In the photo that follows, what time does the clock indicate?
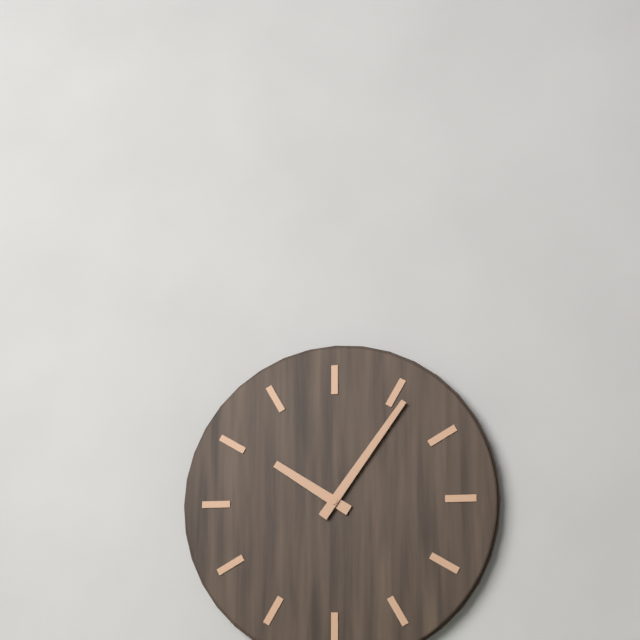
10:06
